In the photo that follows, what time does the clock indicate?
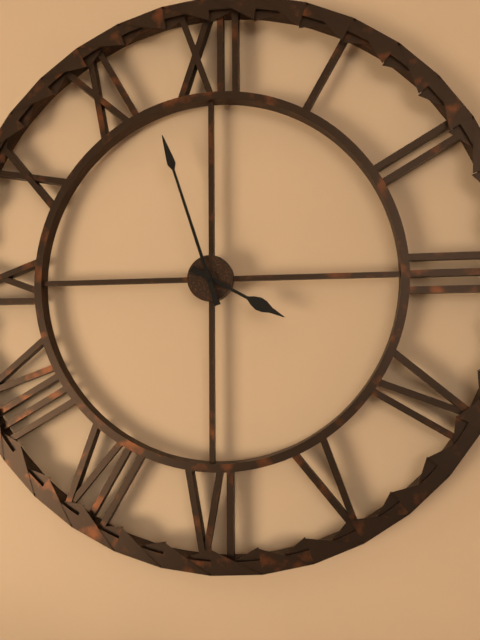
3:57
